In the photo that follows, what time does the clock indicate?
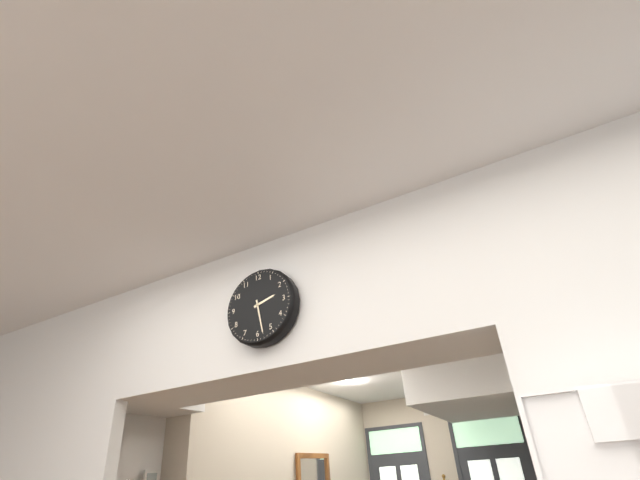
2:28
